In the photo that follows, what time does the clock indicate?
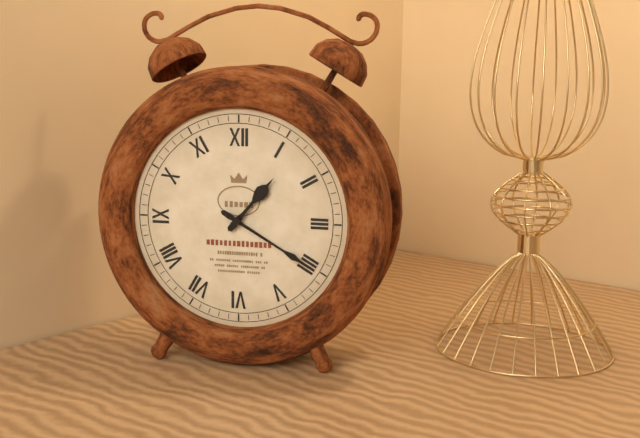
1:20
